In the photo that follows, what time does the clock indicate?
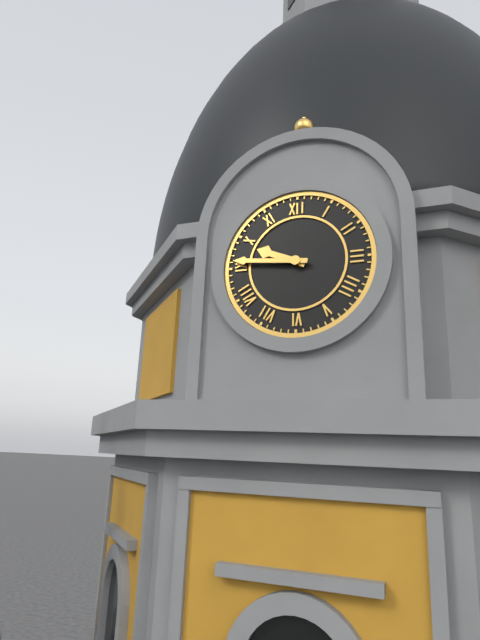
9:46
